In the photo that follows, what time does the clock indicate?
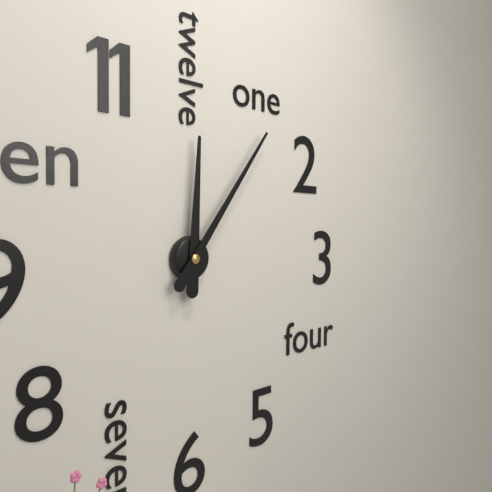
12:06
